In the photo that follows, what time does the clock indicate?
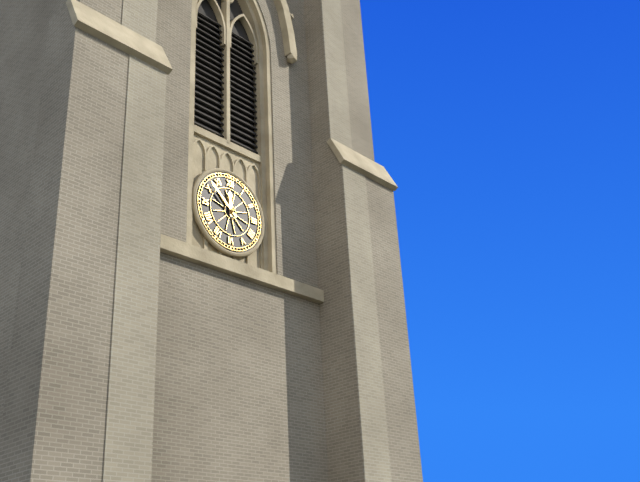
11:52
